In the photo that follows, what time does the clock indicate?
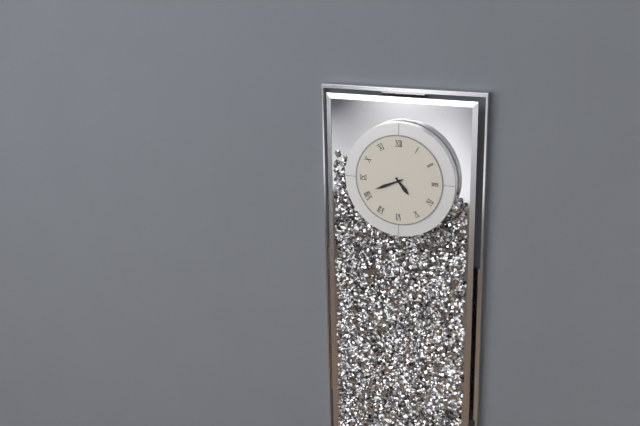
4:41
